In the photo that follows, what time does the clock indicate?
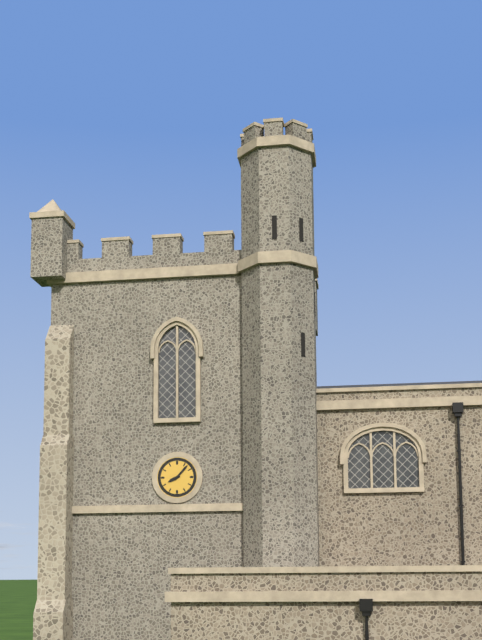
8:07
